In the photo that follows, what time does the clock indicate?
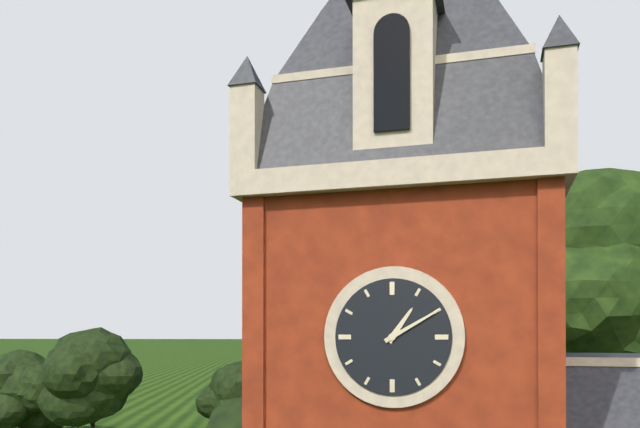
1:10
